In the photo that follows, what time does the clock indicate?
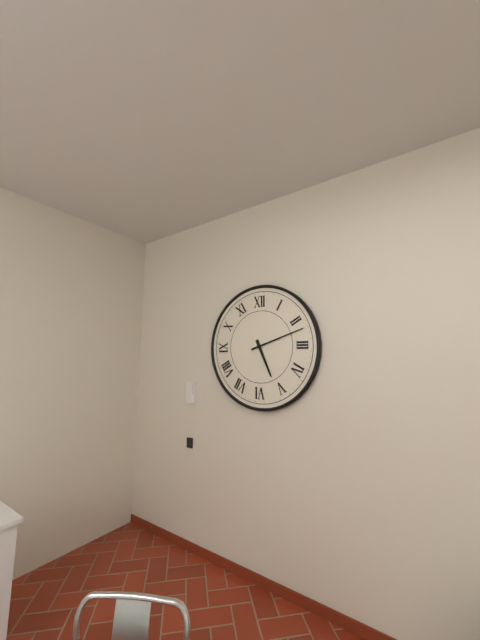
5:12
